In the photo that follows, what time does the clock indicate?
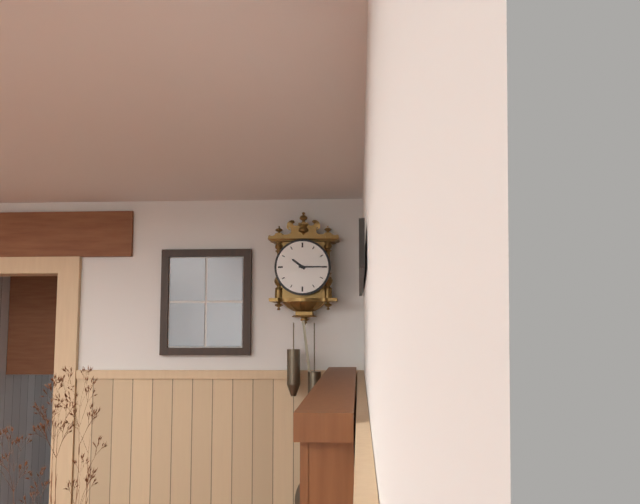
10:15
